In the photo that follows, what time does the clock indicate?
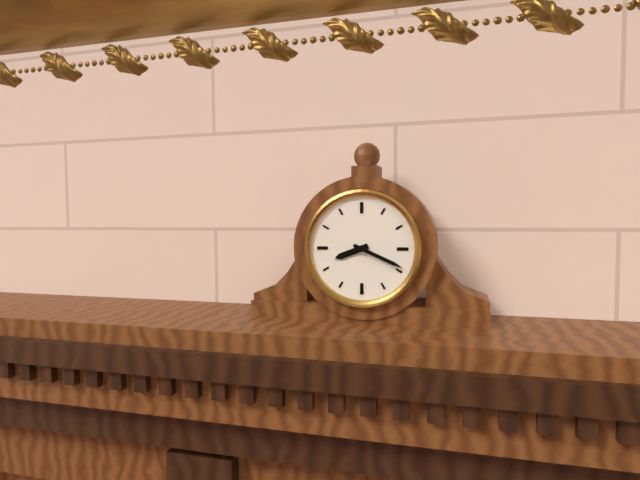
8:19
